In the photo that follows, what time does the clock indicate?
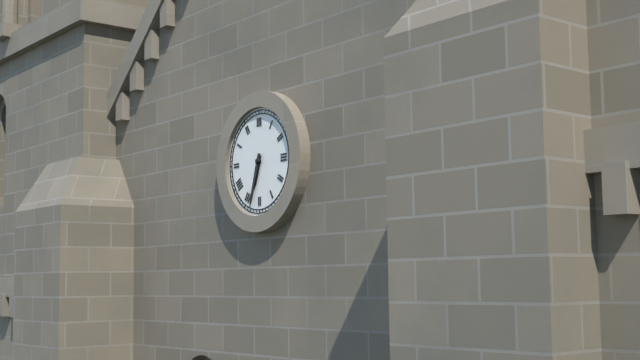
6:33
